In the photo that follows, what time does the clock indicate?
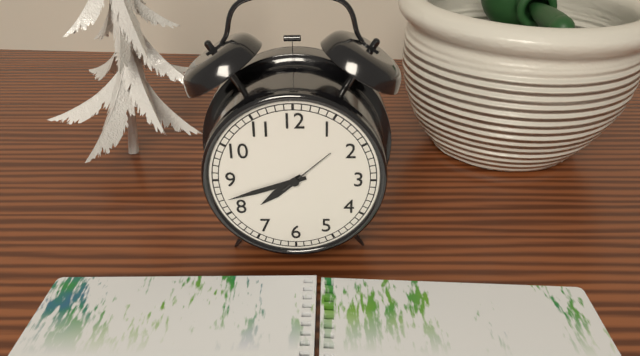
7:42:08
